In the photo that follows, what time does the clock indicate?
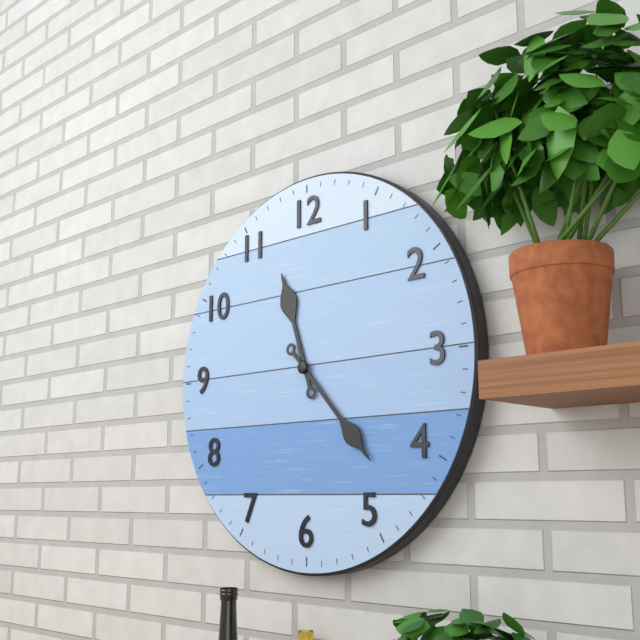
11:23
